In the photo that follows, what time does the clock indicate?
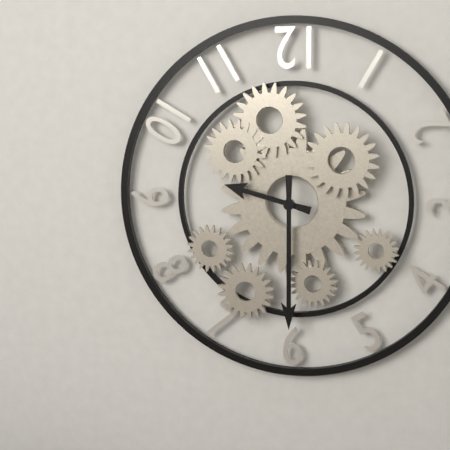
9:30
